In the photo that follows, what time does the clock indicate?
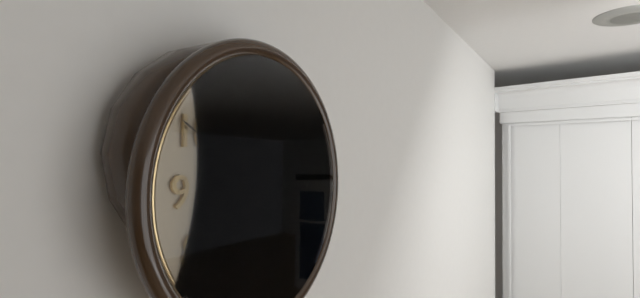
6:01:50
